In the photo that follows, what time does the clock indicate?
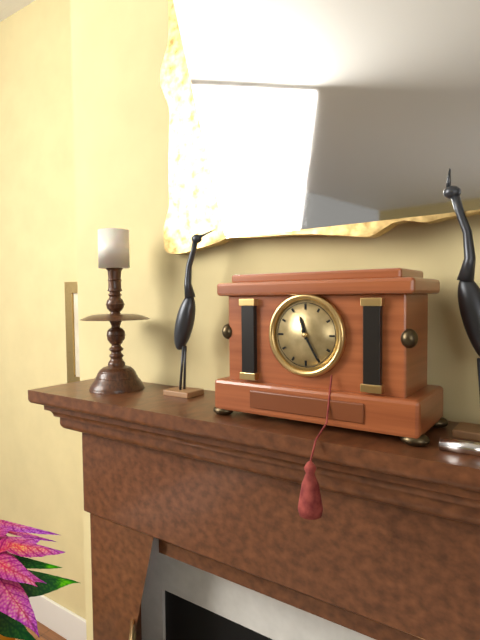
11:25
